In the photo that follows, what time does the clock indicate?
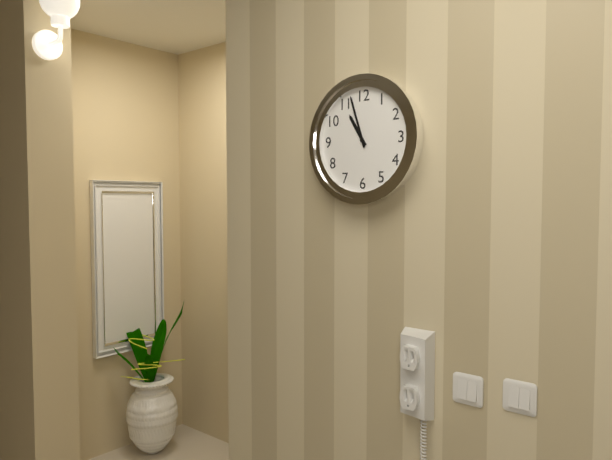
10:57
